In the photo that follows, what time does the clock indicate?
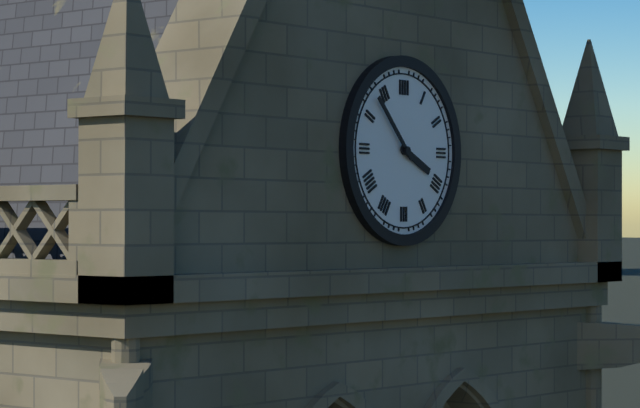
3:53
